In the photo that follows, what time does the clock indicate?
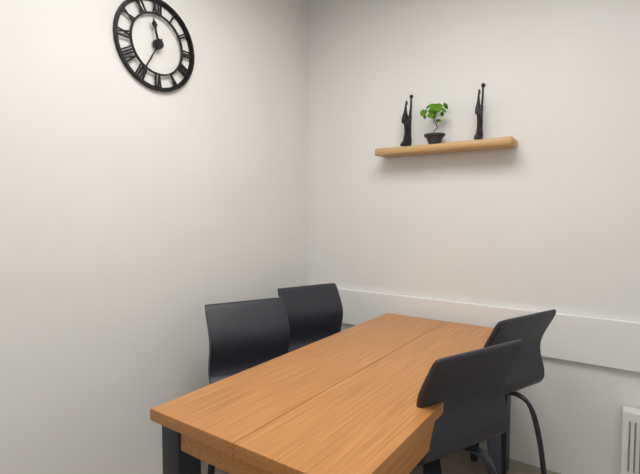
11:35
